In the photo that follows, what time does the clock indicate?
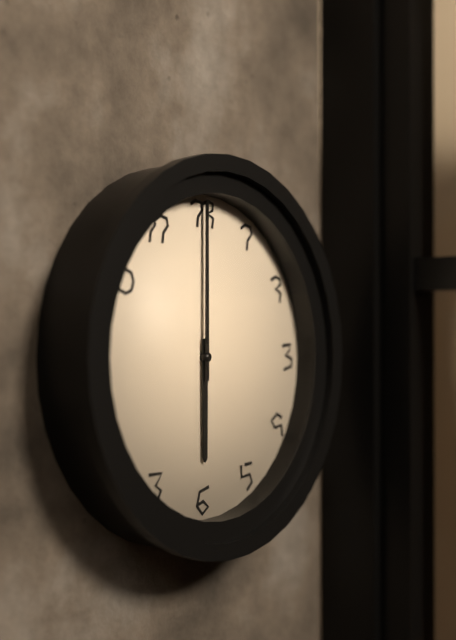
6:00
